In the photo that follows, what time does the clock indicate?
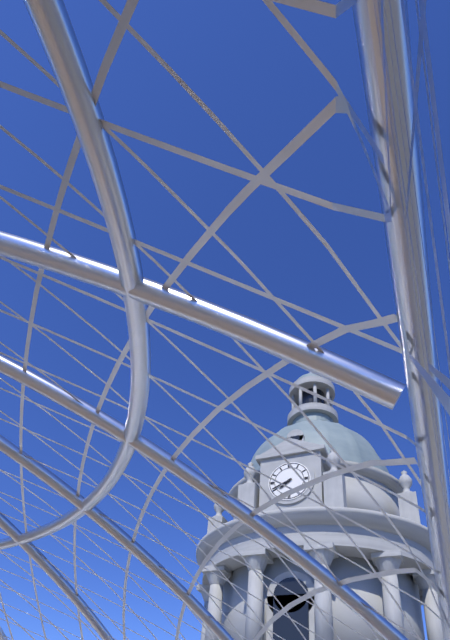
7:41
